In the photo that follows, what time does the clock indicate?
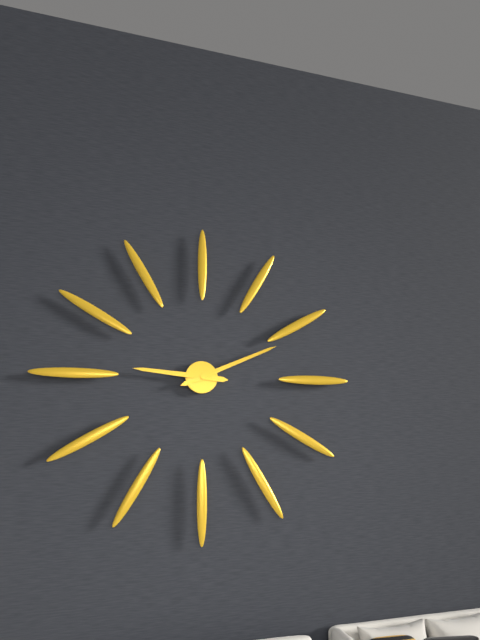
9:11
